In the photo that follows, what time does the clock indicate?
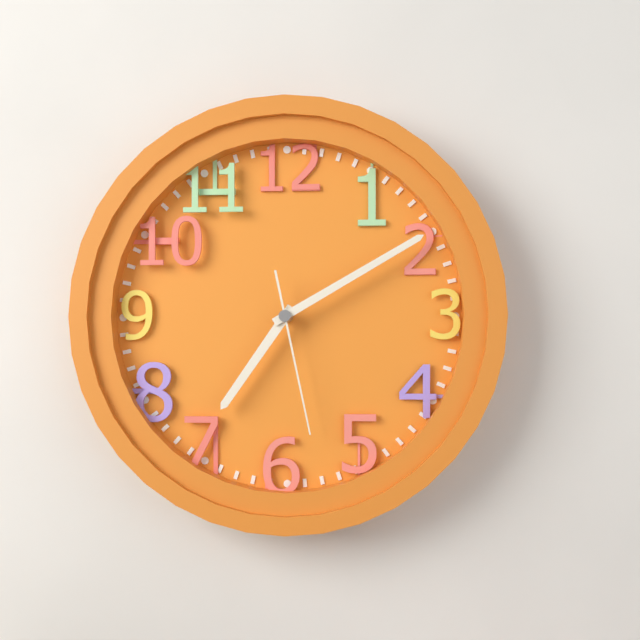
7:10:28
